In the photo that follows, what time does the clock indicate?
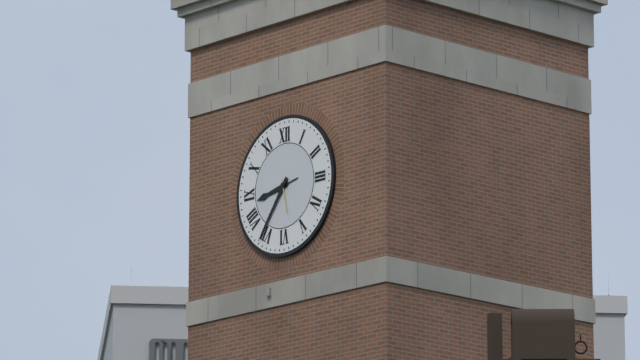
8:36
